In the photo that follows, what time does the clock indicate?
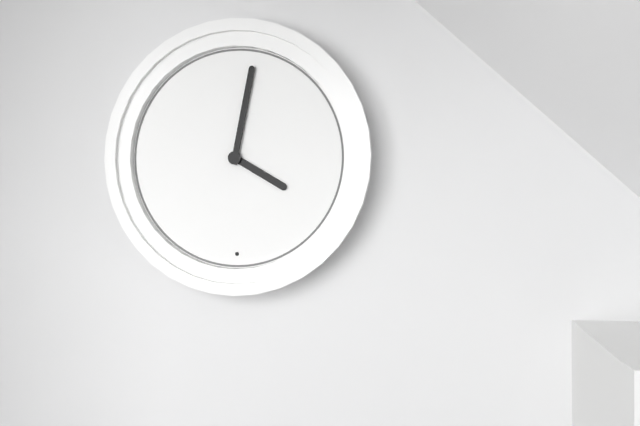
4:02
